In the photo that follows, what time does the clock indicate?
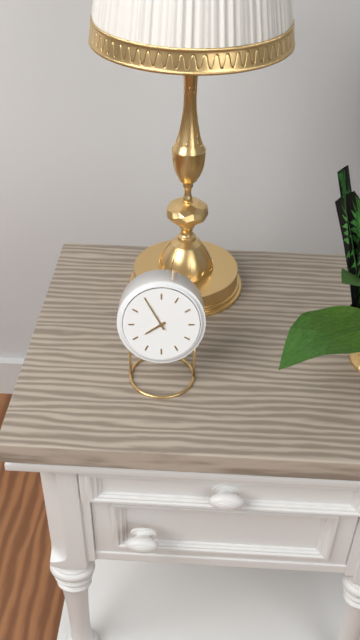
7:55
